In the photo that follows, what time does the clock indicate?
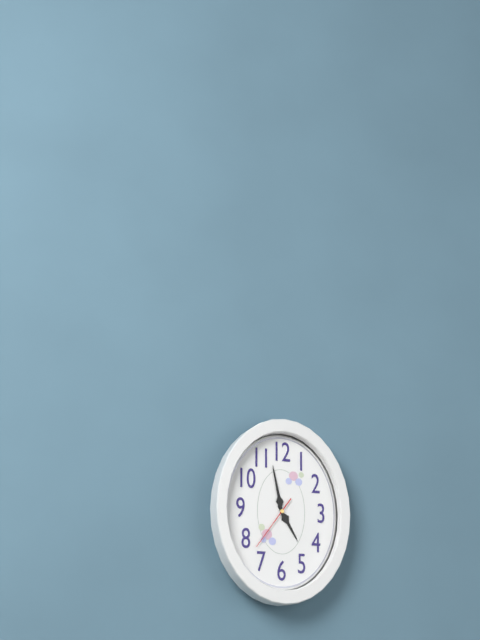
4:58:36
